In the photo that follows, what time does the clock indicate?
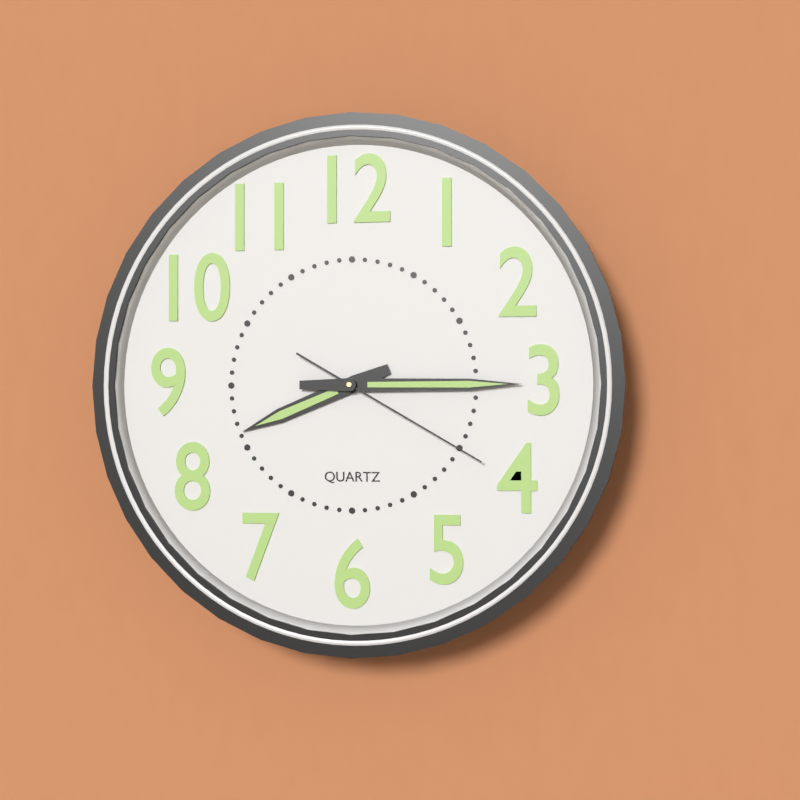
8:15:20
